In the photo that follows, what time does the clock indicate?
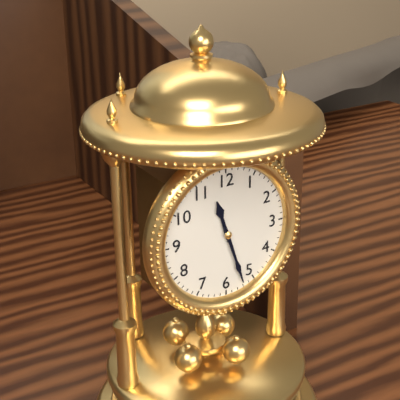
11:27
